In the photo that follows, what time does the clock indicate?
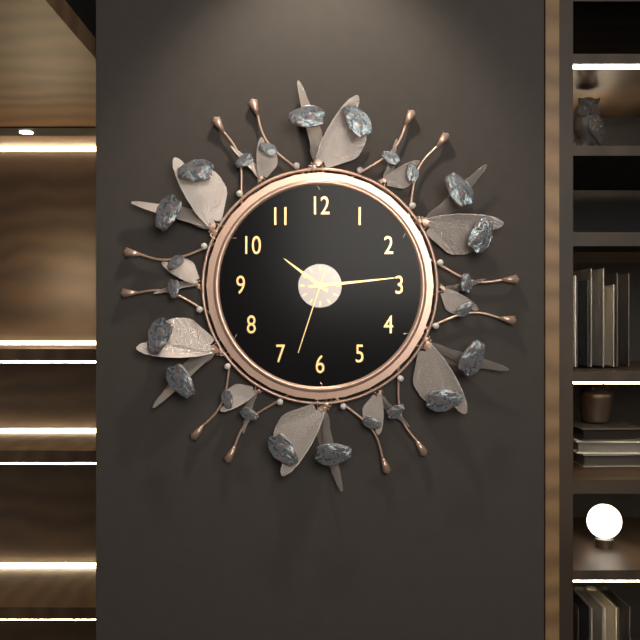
10:14:33
